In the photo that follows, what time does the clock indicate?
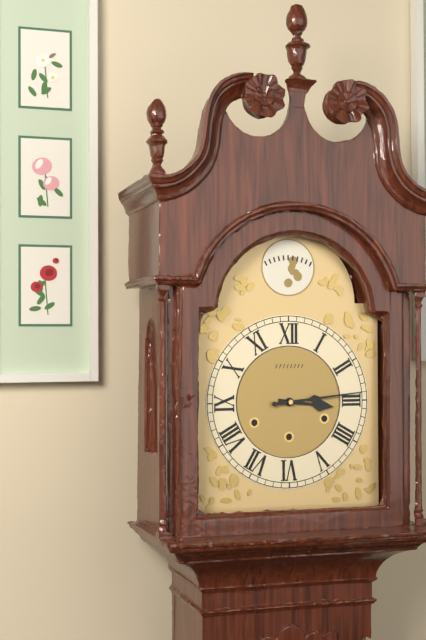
3:14
